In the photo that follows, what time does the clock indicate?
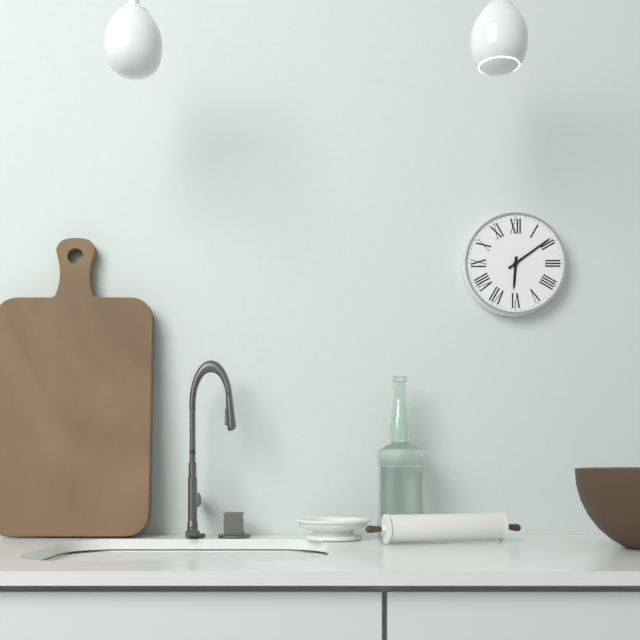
6:09
